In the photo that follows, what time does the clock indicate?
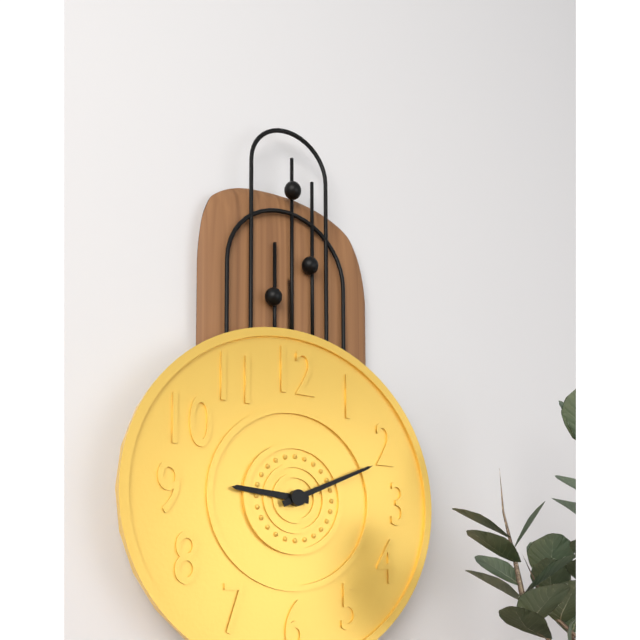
9:11
